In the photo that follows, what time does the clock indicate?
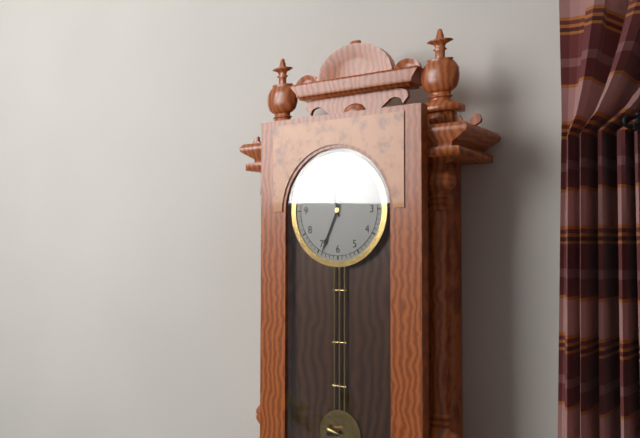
11:34
